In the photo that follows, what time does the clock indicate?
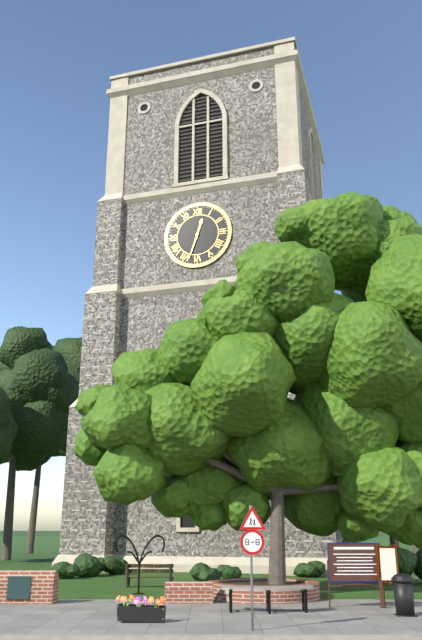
12:33
